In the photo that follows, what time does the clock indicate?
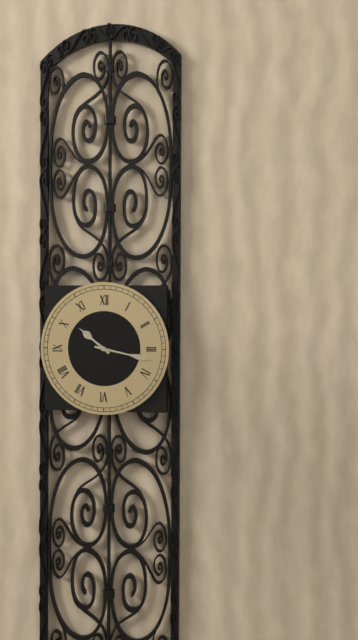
10:17
